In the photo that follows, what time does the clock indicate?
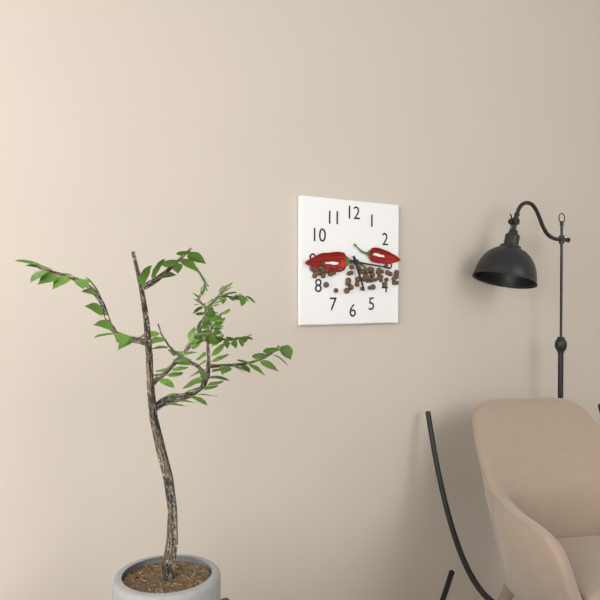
5:16
